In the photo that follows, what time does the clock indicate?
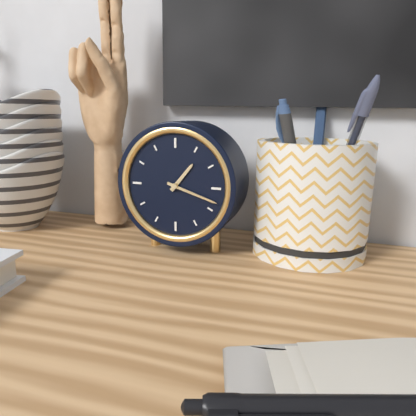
1:18
